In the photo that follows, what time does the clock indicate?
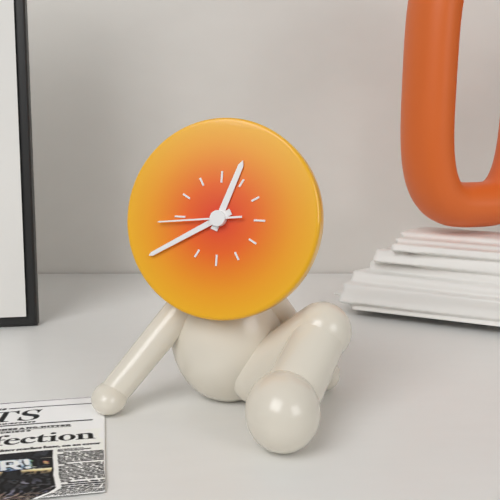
12:40:44
